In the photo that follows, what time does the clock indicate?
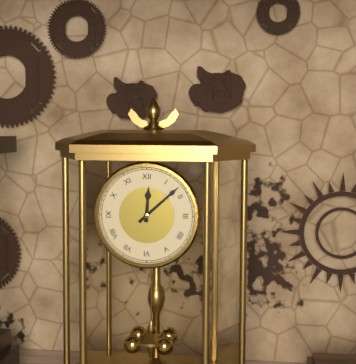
12:08
